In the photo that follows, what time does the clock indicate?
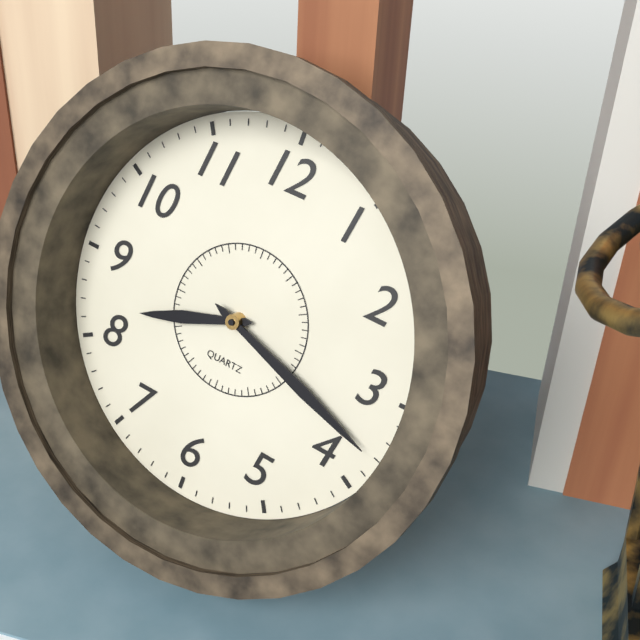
8:18
